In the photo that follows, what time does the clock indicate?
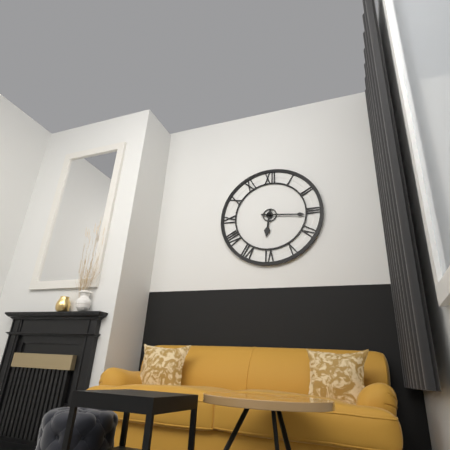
6:16
